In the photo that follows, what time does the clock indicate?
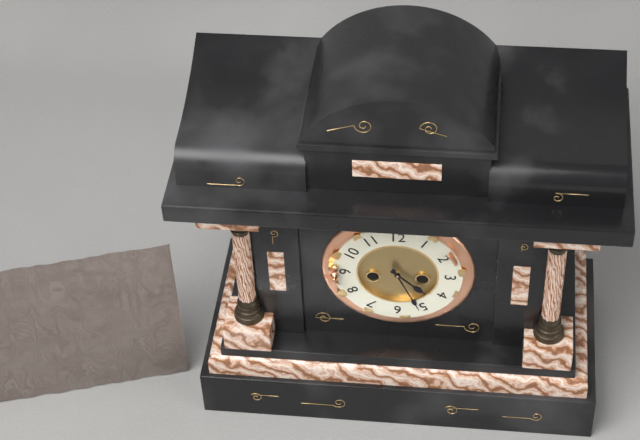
4:26
